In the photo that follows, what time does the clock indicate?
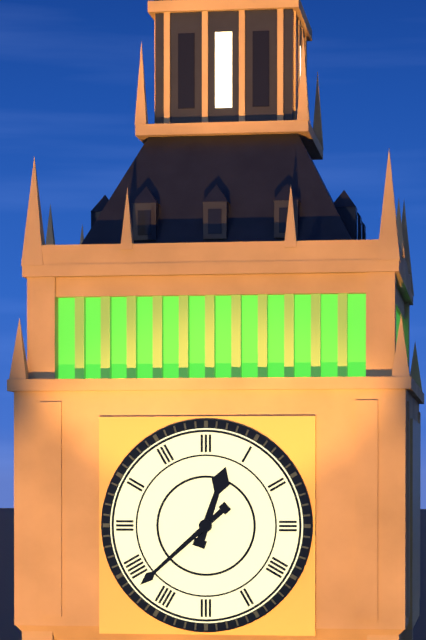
12:38
